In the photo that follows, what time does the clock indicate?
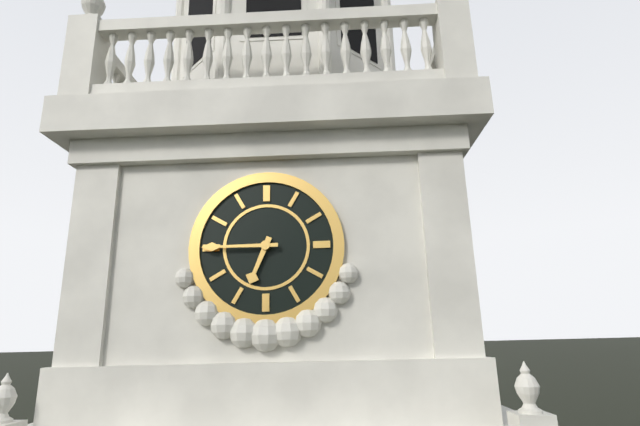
6:45
